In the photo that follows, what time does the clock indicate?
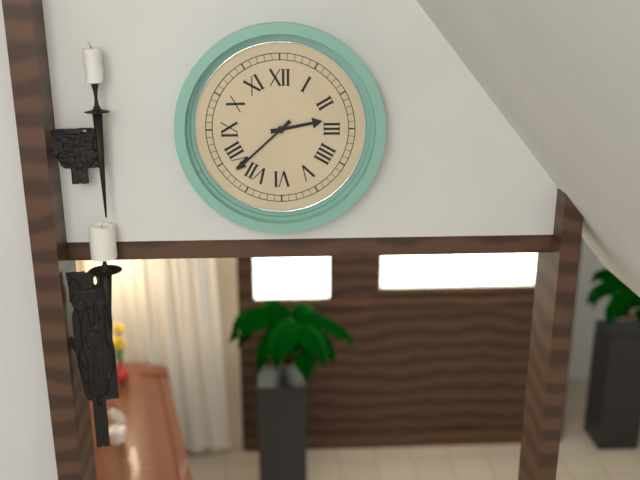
2:38
